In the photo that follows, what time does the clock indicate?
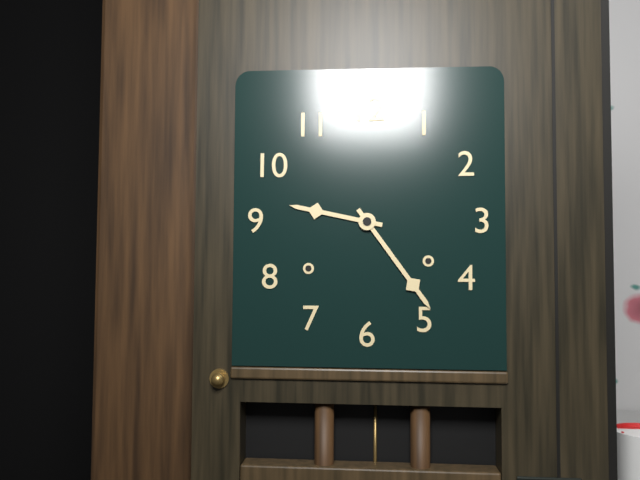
9:24
